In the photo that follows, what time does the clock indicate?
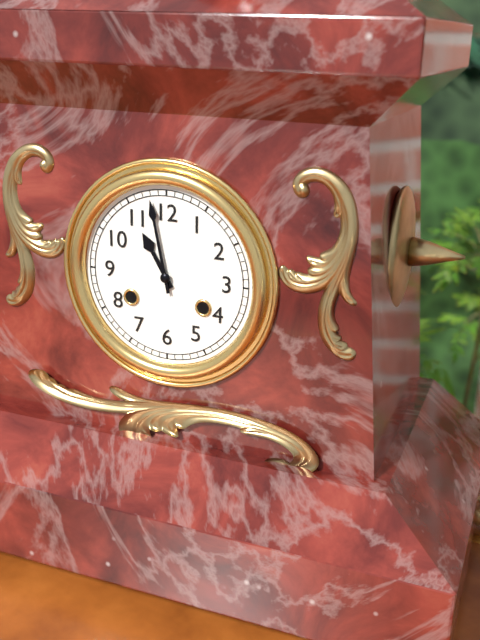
10:58
